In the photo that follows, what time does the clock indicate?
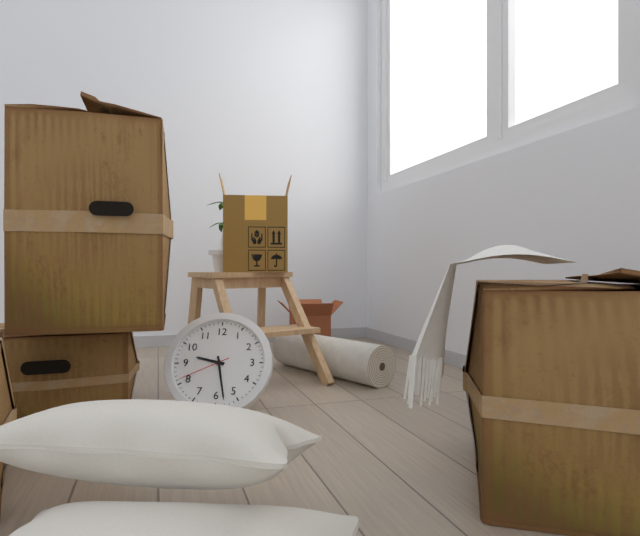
9:28:41
